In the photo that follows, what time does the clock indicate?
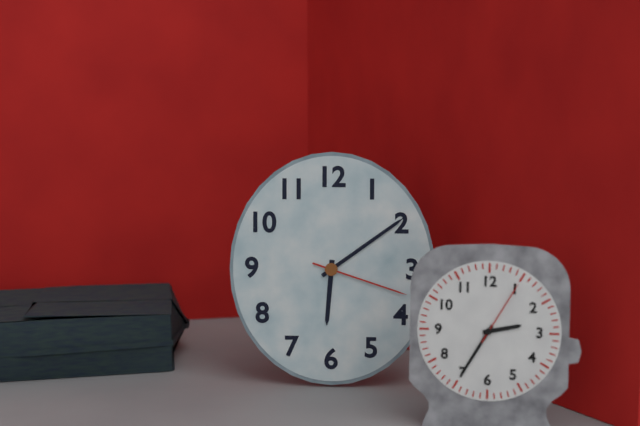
6:09:18
